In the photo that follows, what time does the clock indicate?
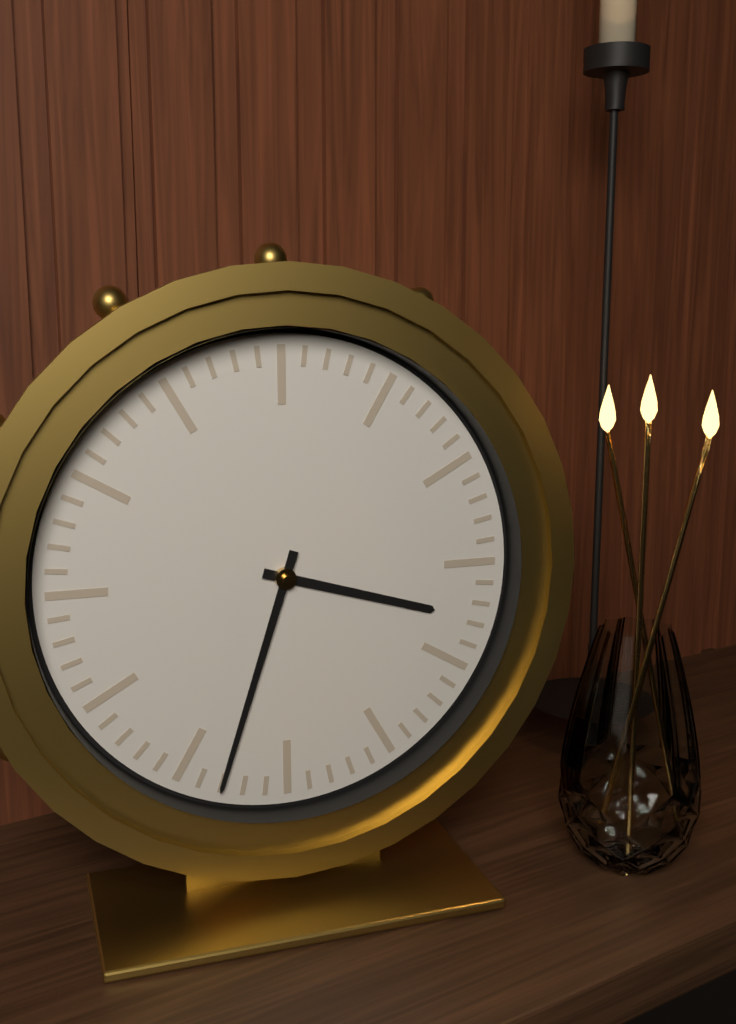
3:33
